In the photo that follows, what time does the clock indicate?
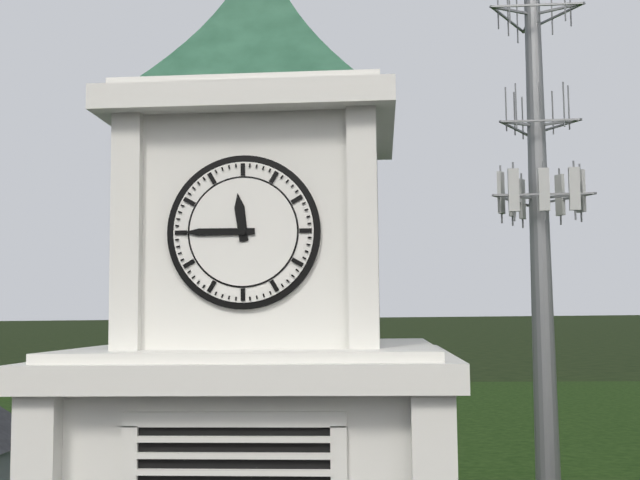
11:45
